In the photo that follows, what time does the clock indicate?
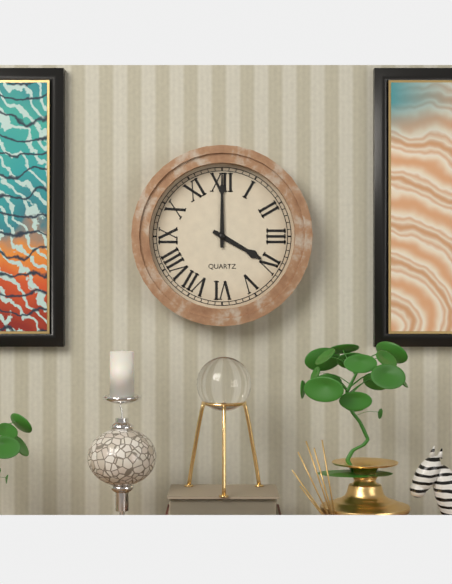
4:00
